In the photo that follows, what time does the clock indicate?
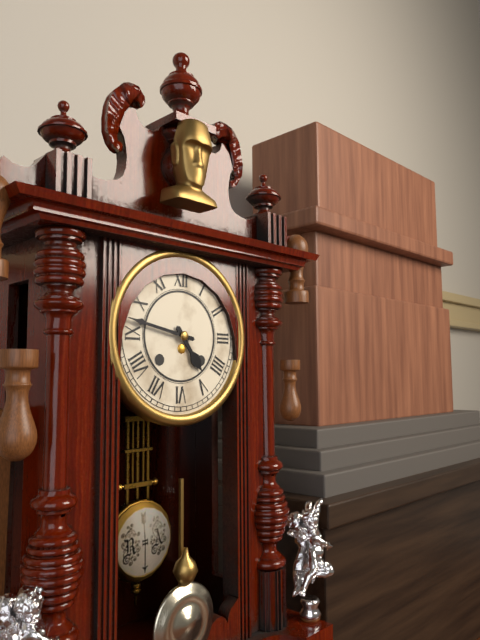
4:47
